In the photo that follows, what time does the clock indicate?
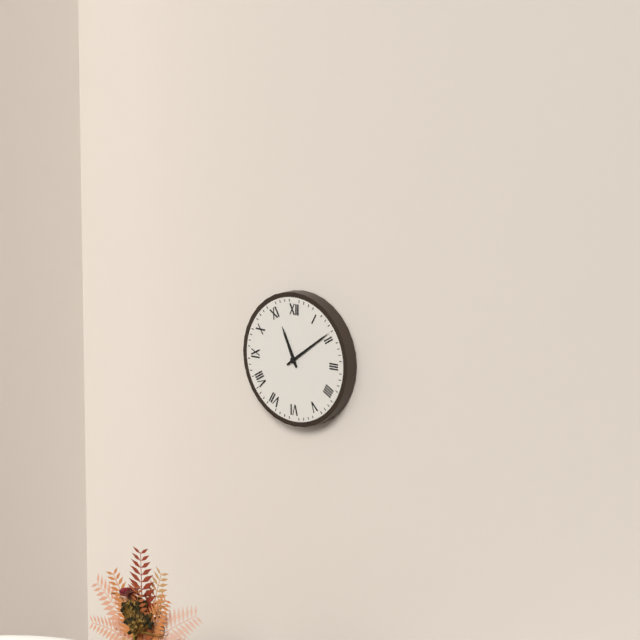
11:09
